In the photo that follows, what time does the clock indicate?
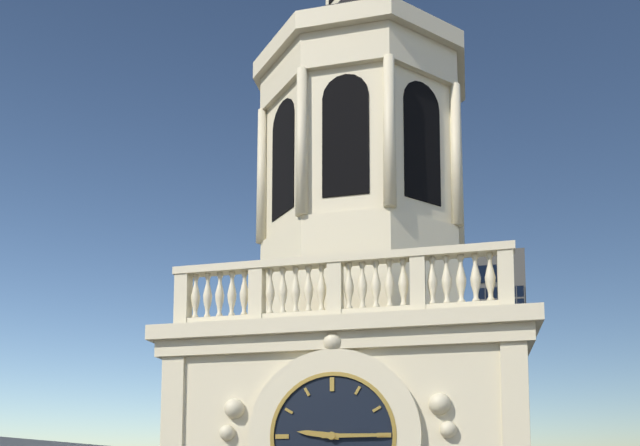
9:15
